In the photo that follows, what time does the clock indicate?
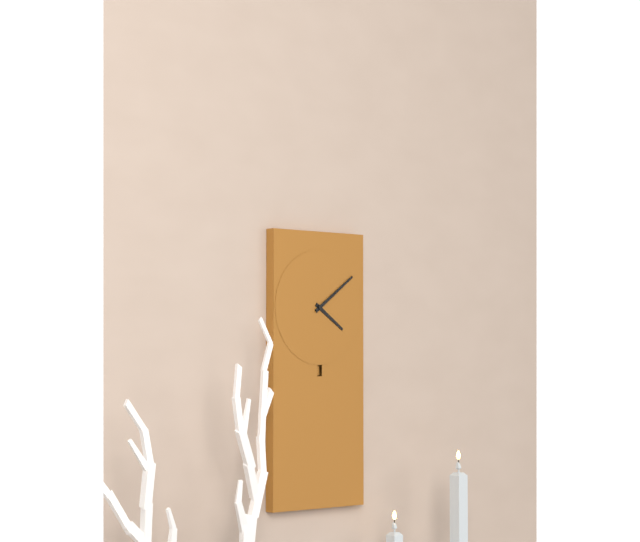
4:09
